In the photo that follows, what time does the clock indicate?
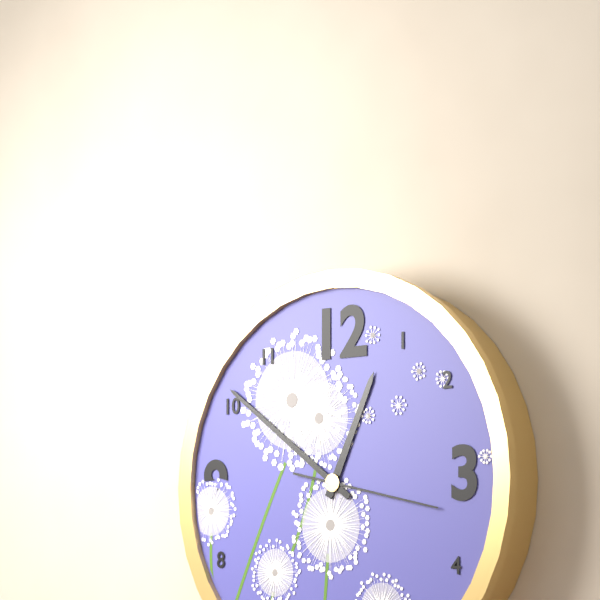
12:51:17
